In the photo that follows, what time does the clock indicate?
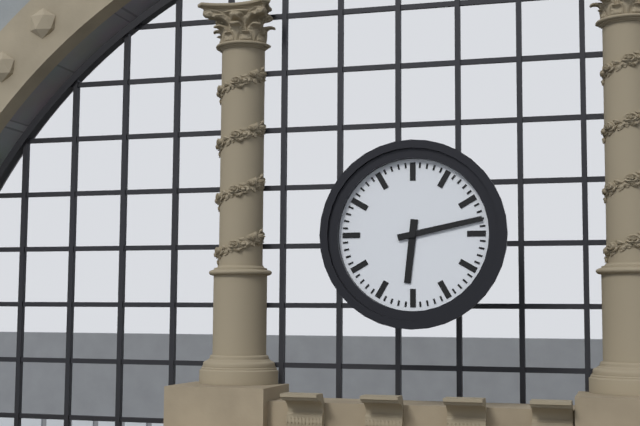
6:13
